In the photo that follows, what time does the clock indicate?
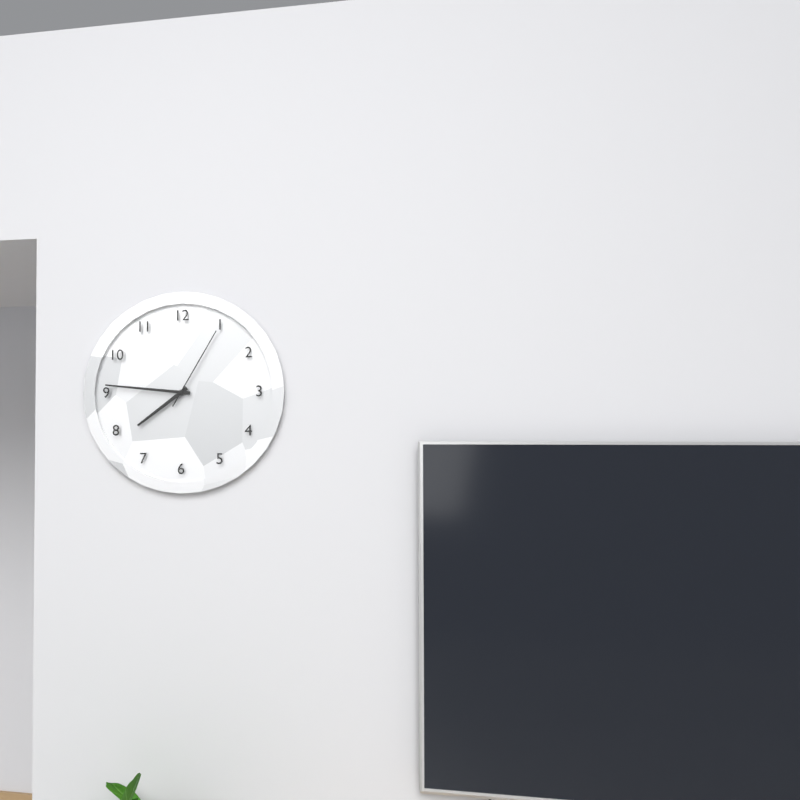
7:46:05
